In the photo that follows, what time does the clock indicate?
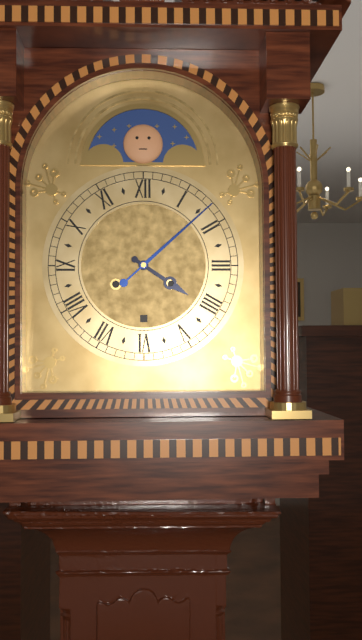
4:08
